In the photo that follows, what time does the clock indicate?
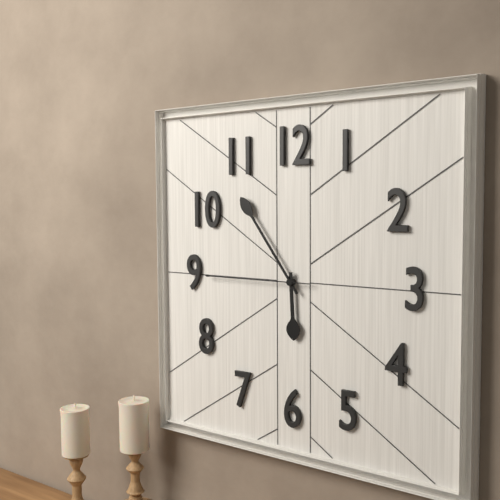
5:54:45
